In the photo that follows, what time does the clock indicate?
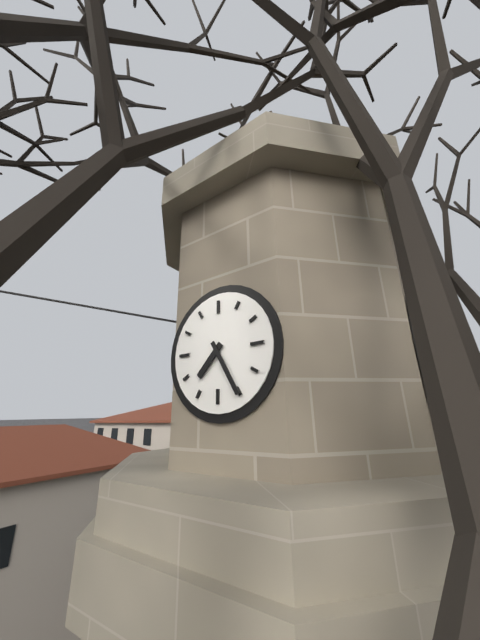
7:25
